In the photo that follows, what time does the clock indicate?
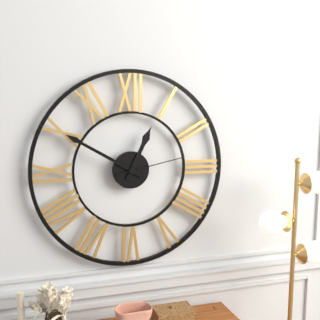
12:50:13
